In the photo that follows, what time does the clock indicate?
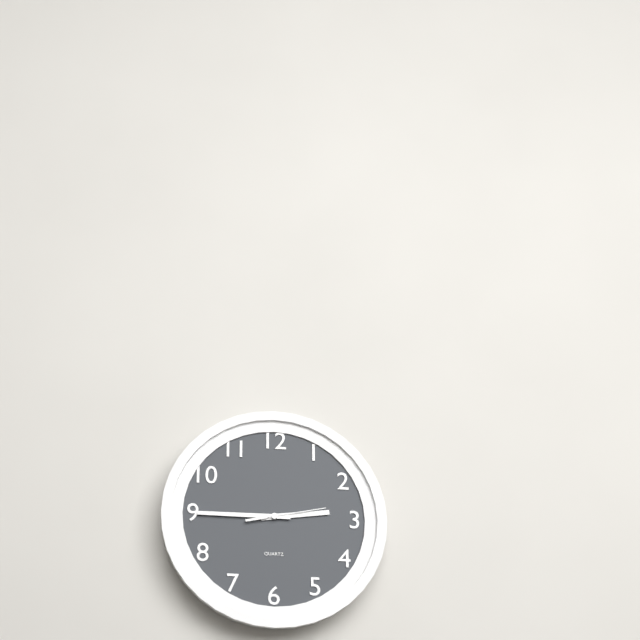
2:45:13
